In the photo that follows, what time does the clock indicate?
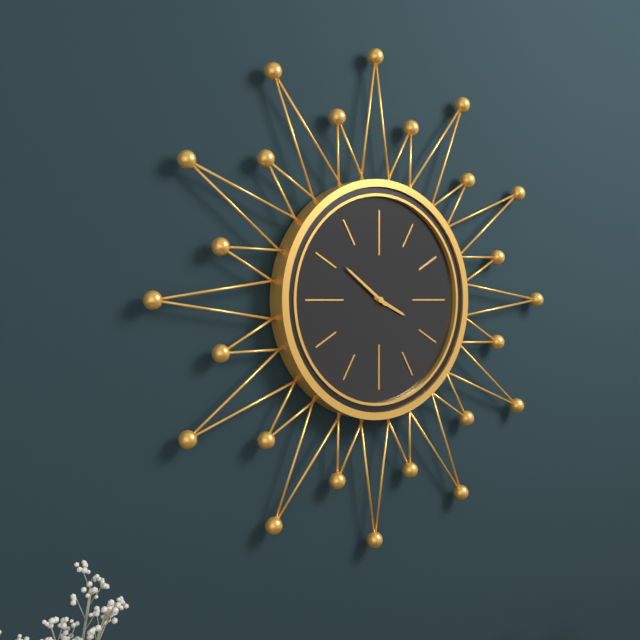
3:51
